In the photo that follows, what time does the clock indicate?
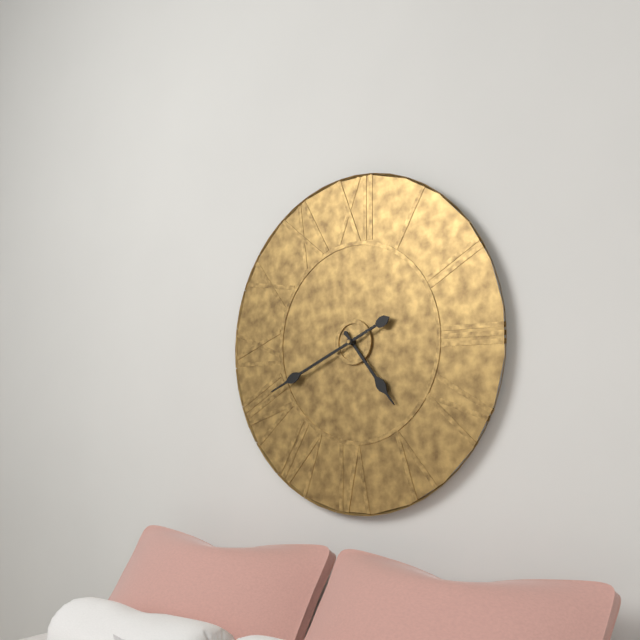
4:41
